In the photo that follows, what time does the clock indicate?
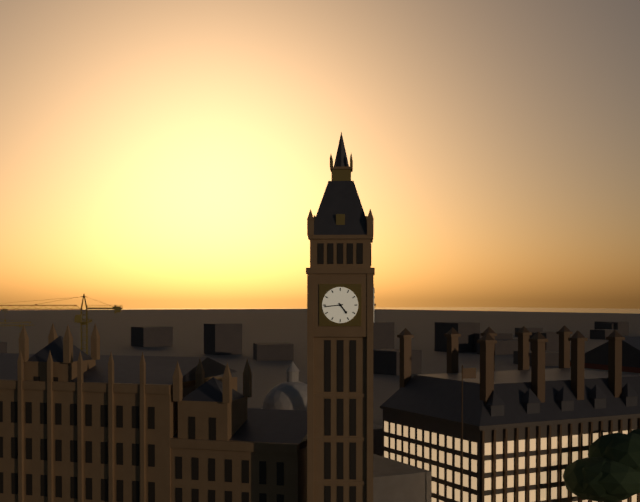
4:44
